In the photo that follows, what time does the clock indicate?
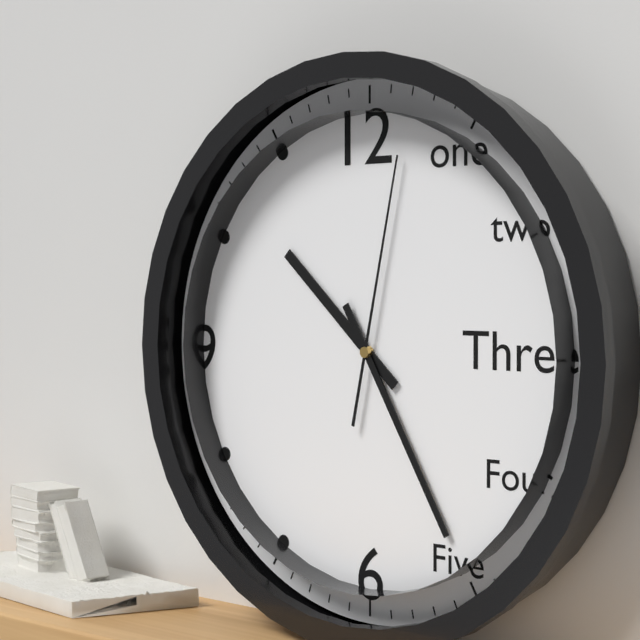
10:25:02
